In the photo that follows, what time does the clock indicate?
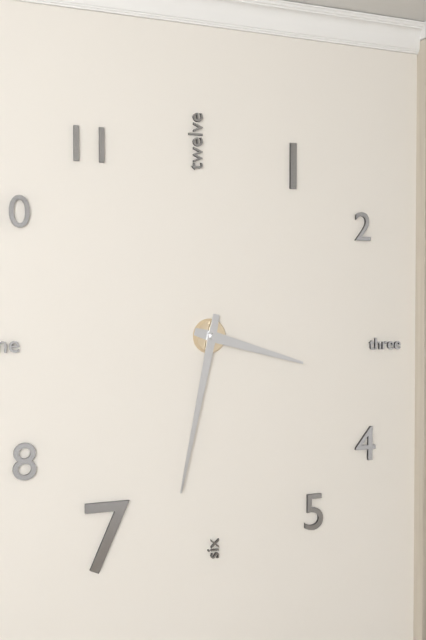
3:32
